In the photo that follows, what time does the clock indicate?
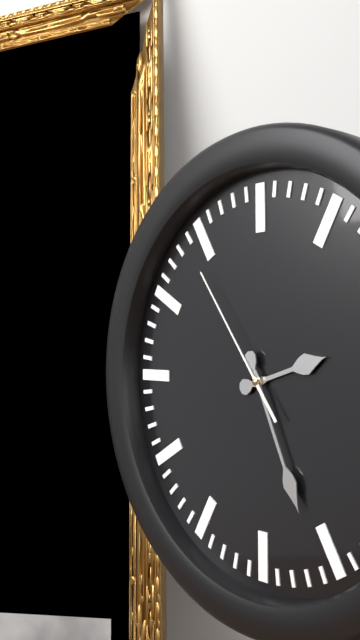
2:26:54
